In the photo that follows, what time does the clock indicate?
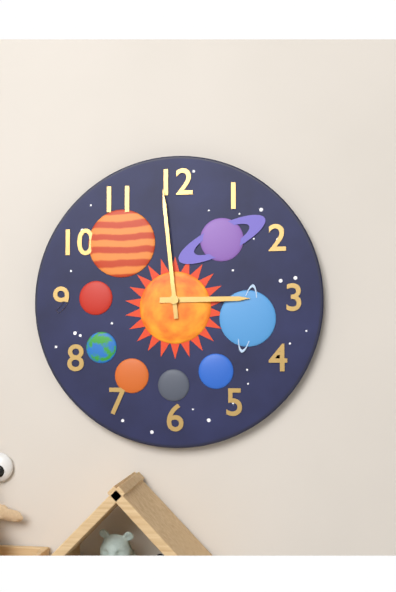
2:59
